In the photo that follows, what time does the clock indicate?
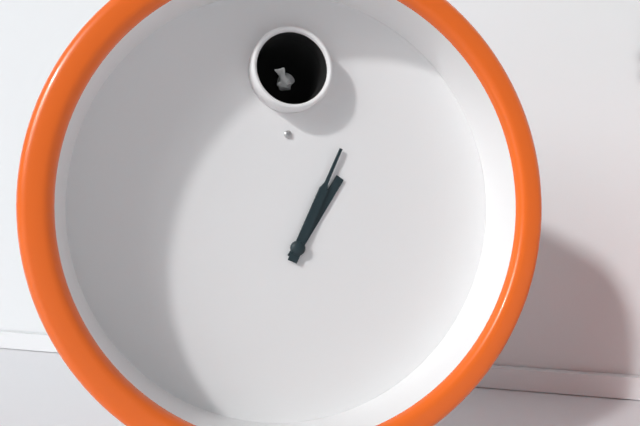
1:04
